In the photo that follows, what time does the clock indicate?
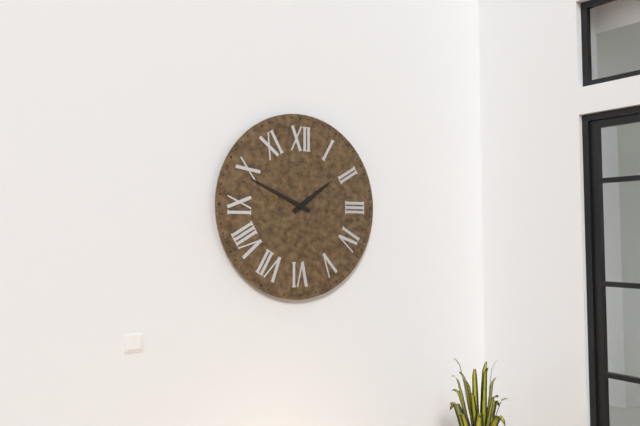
1:49
